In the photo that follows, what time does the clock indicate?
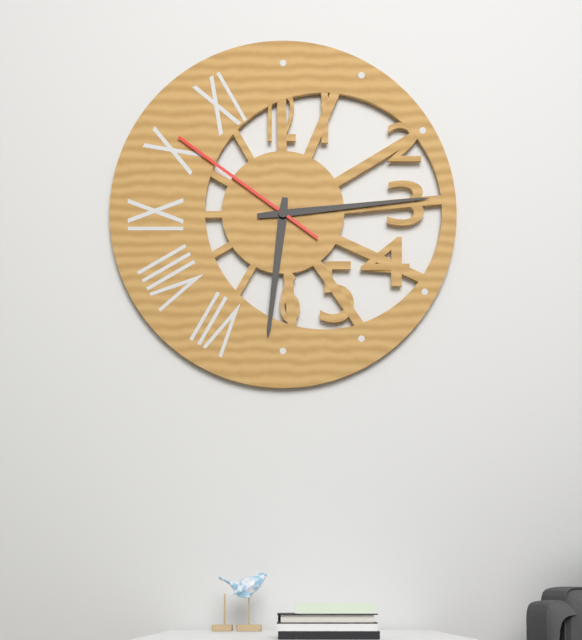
6:14:51
